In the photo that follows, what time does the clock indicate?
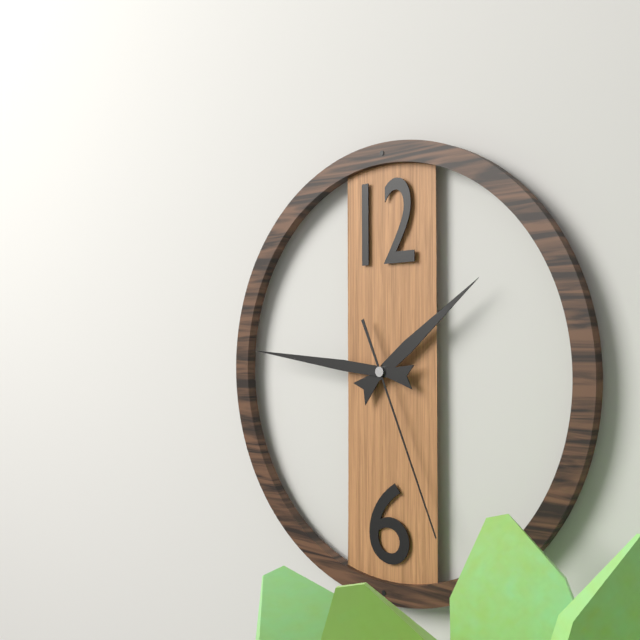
1:46:26
